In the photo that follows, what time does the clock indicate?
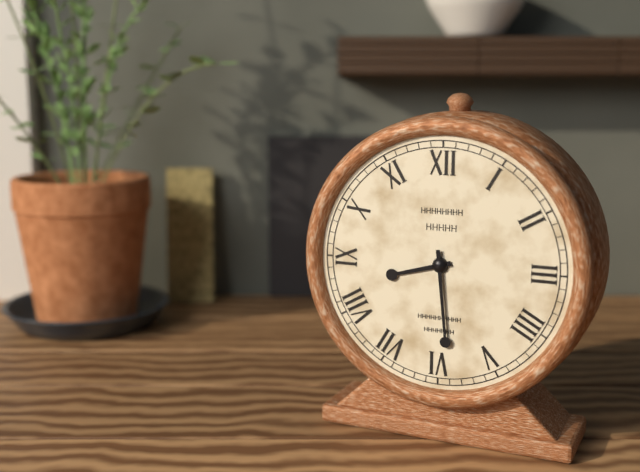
8:29
